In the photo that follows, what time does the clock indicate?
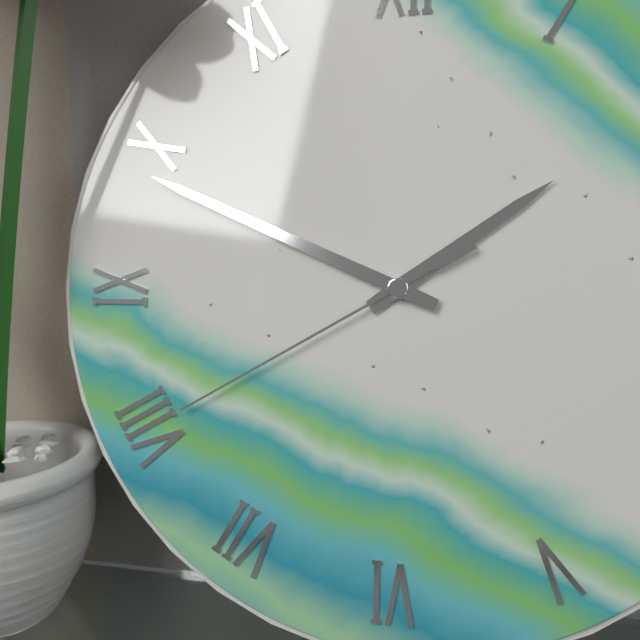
1:49:40
